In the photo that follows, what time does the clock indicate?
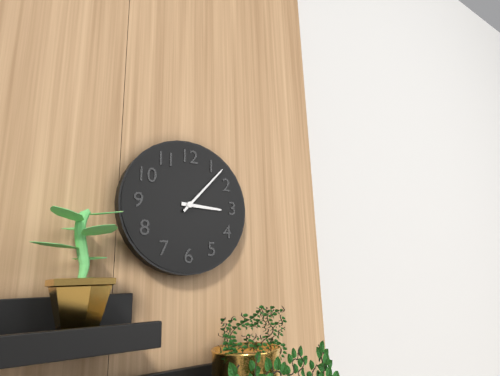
3:07
